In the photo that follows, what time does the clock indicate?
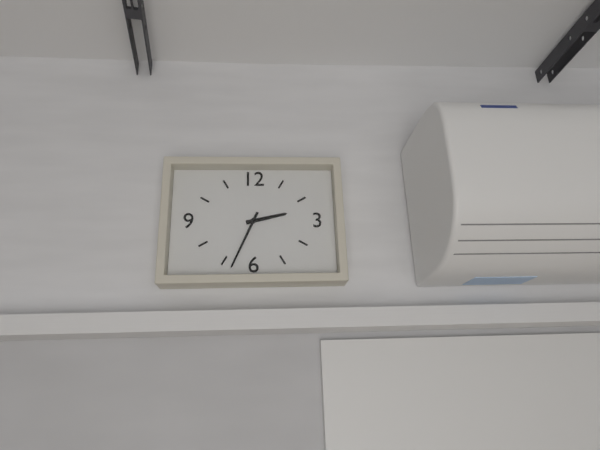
2:34
